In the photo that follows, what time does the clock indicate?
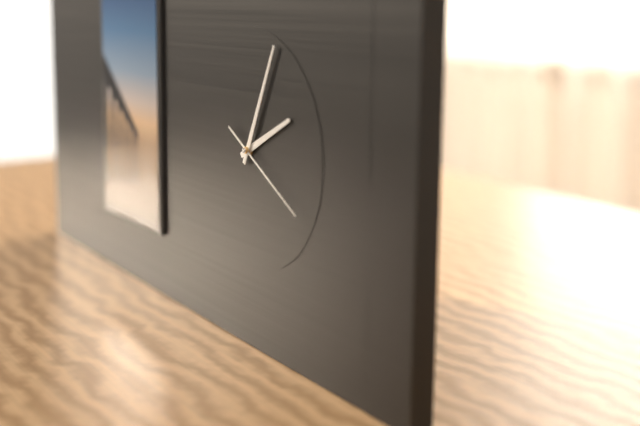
2:04:20
